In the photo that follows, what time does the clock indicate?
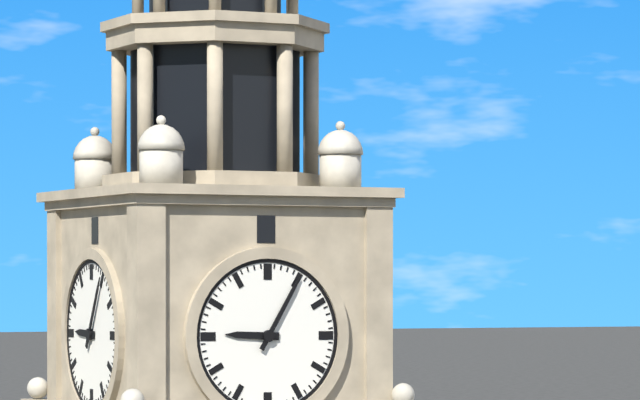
9:05
